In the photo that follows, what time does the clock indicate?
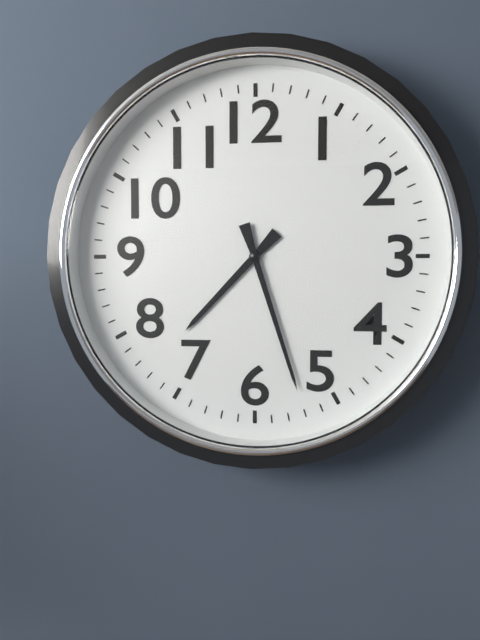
7:27
